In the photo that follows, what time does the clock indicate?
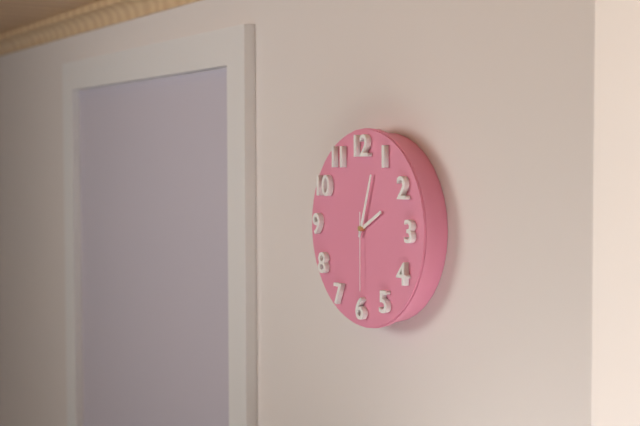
2:03:30
